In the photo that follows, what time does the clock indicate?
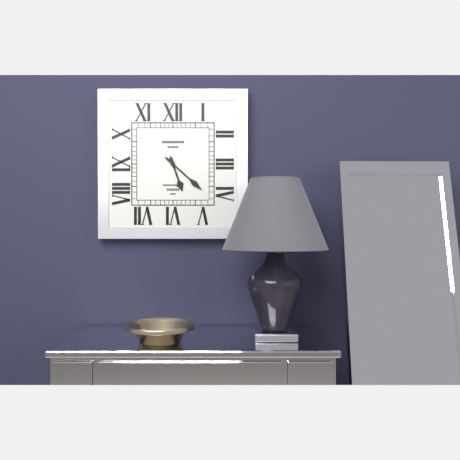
5:22
